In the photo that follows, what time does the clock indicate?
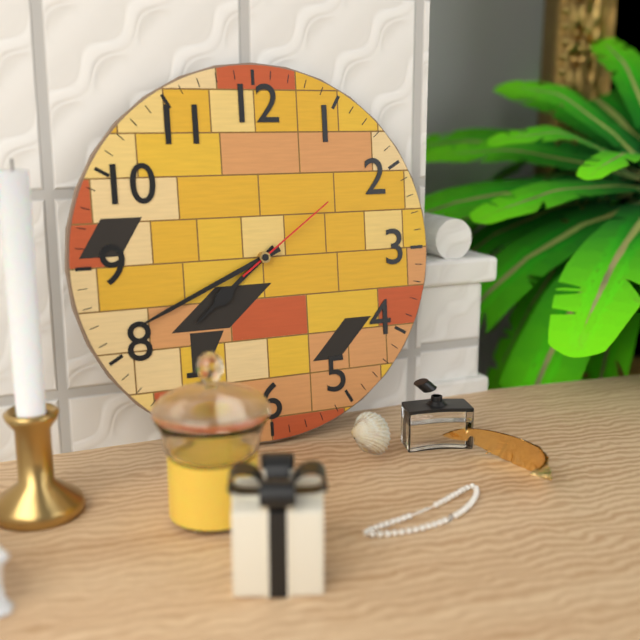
7:41:09
